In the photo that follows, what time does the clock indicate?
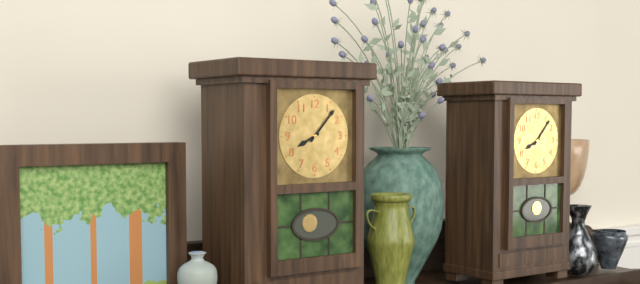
8:07
